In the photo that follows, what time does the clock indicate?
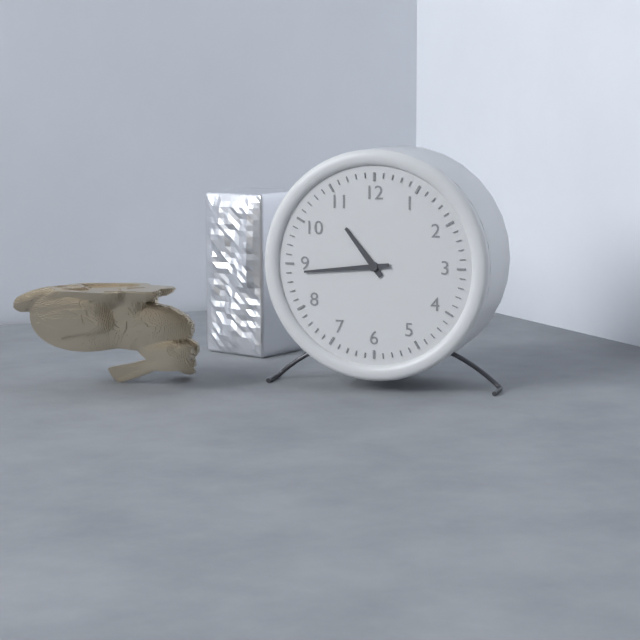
10:44
